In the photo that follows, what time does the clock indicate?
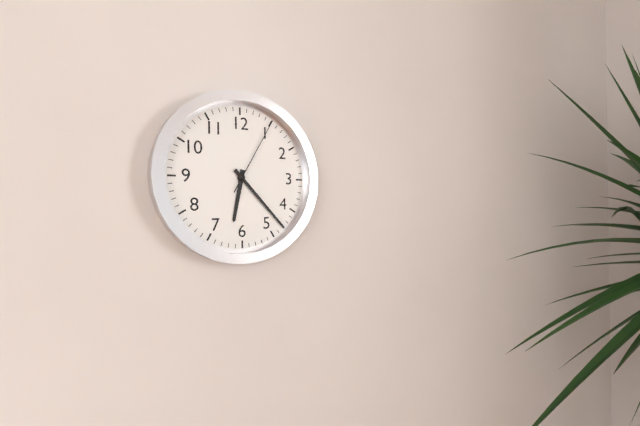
6:23:05
